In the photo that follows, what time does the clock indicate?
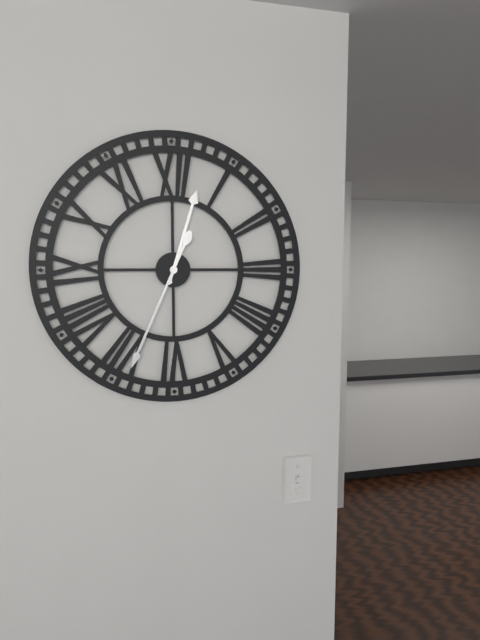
12:34
